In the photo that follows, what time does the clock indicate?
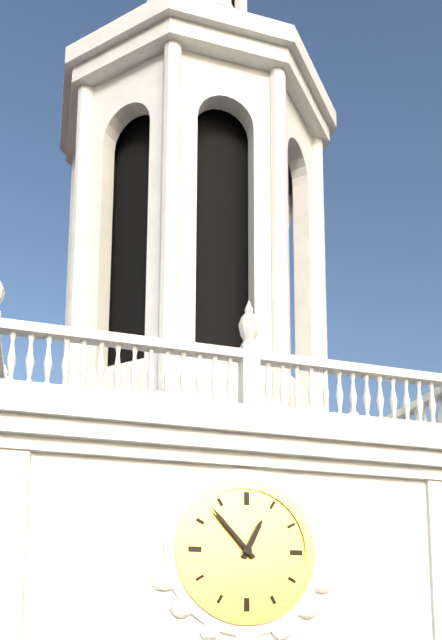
12:53
